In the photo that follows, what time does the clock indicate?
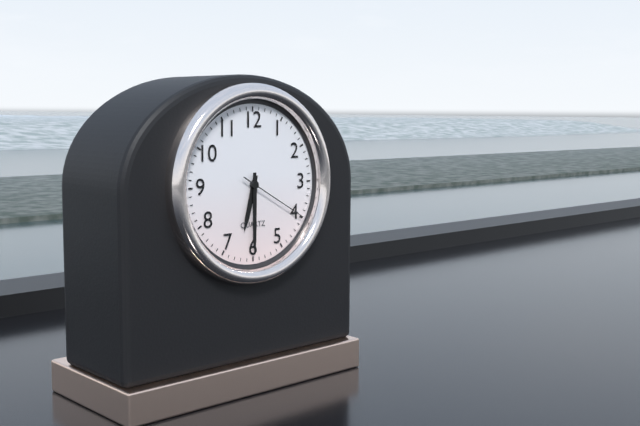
6:30:20
